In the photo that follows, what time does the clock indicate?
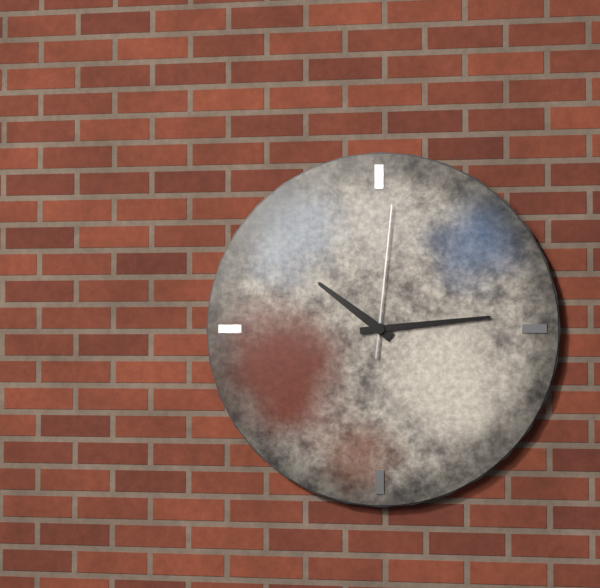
10:14:01
